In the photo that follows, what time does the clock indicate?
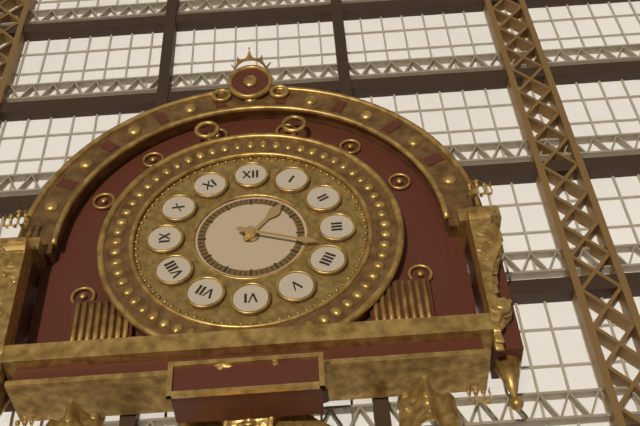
1:18
